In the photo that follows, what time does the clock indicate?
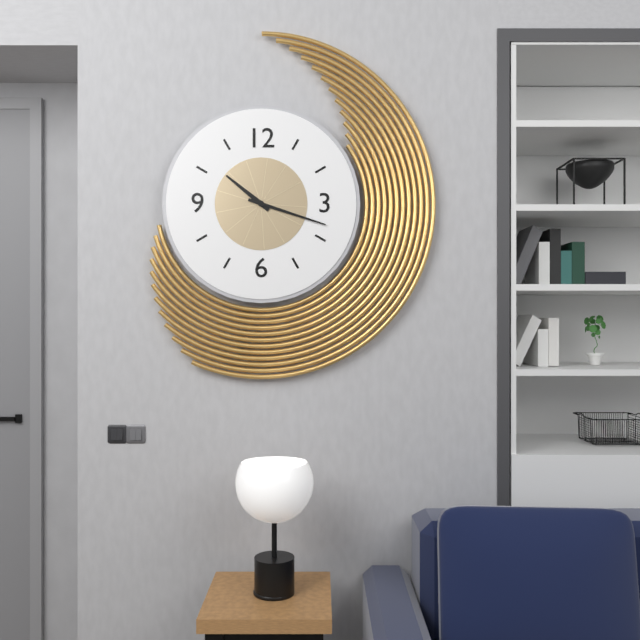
10:18
